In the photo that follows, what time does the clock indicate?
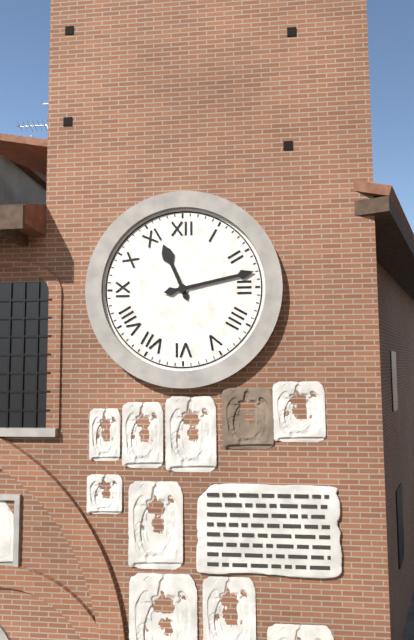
11:13
